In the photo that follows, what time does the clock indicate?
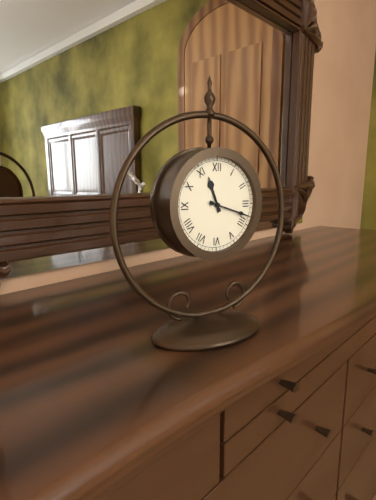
11:18
